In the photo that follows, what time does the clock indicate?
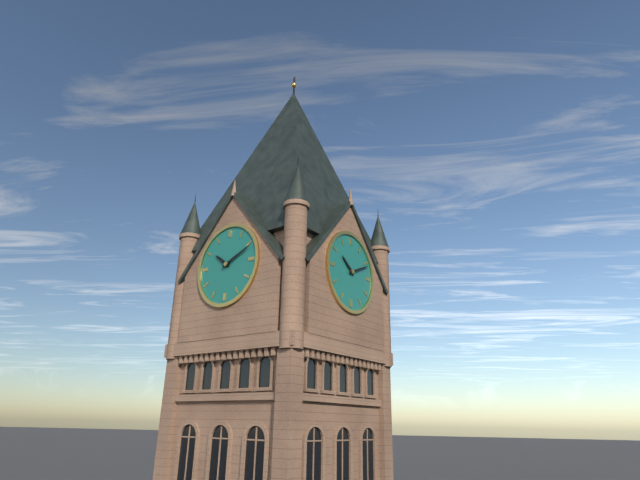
10:11
